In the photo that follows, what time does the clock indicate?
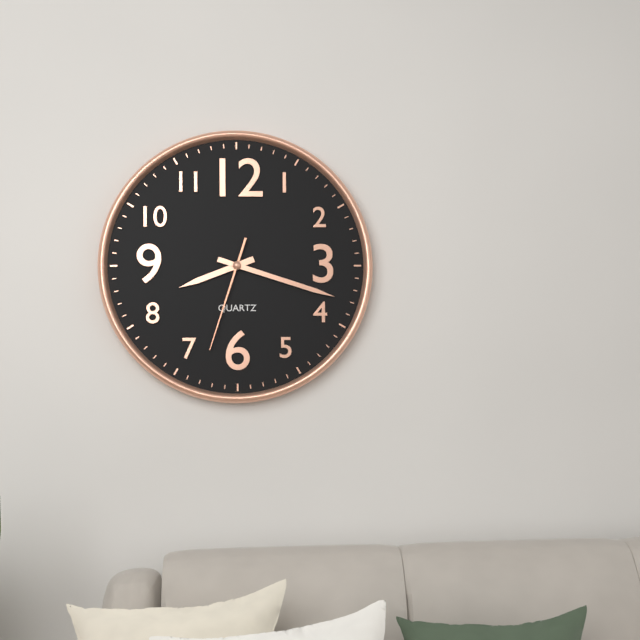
8:18:33
